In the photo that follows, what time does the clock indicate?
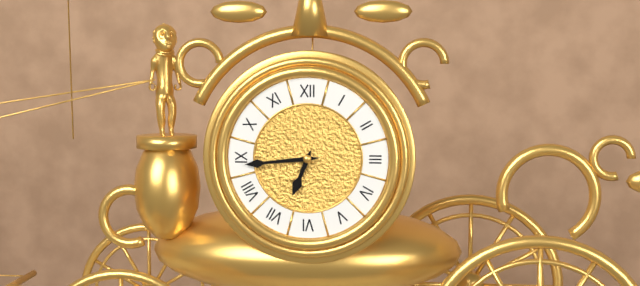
6:44
